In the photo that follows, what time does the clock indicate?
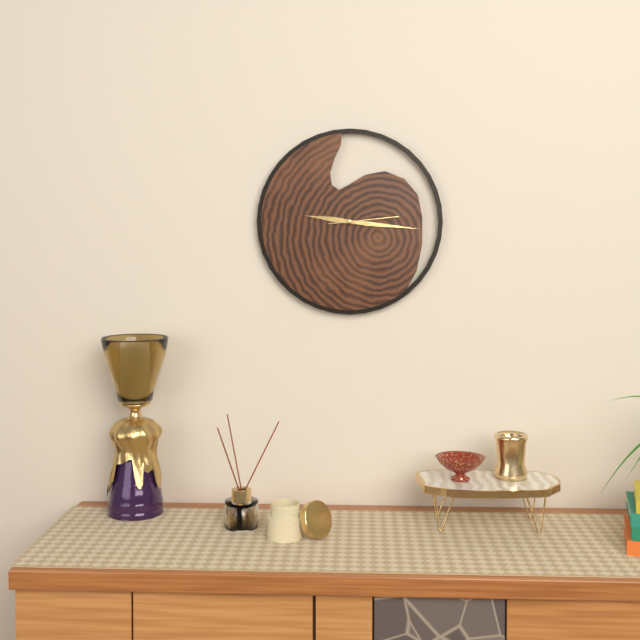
9:16:14
